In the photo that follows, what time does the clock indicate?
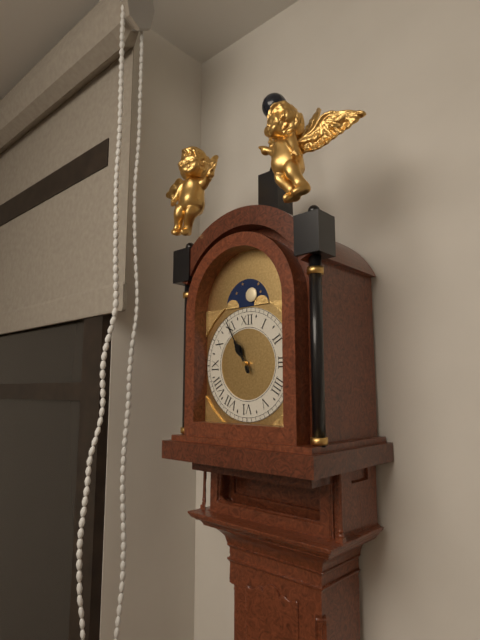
10:55
